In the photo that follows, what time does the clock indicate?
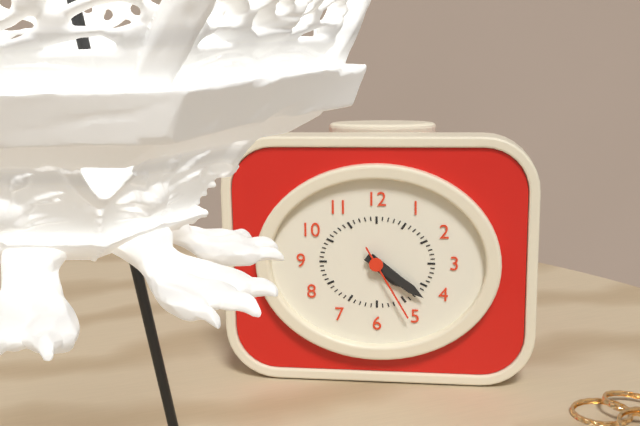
4:21:25
